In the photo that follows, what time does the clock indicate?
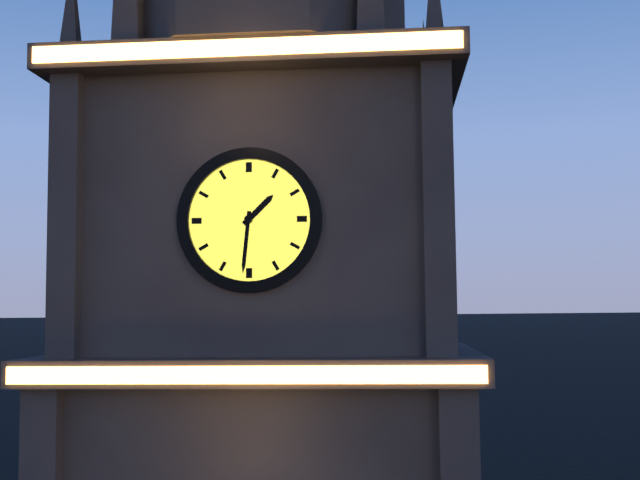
1:31
